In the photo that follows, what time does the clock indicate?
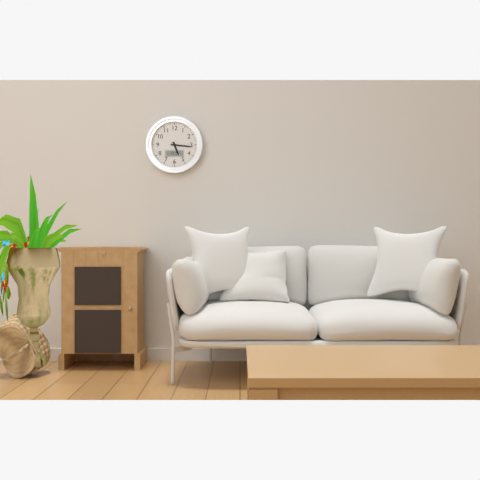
5:16
